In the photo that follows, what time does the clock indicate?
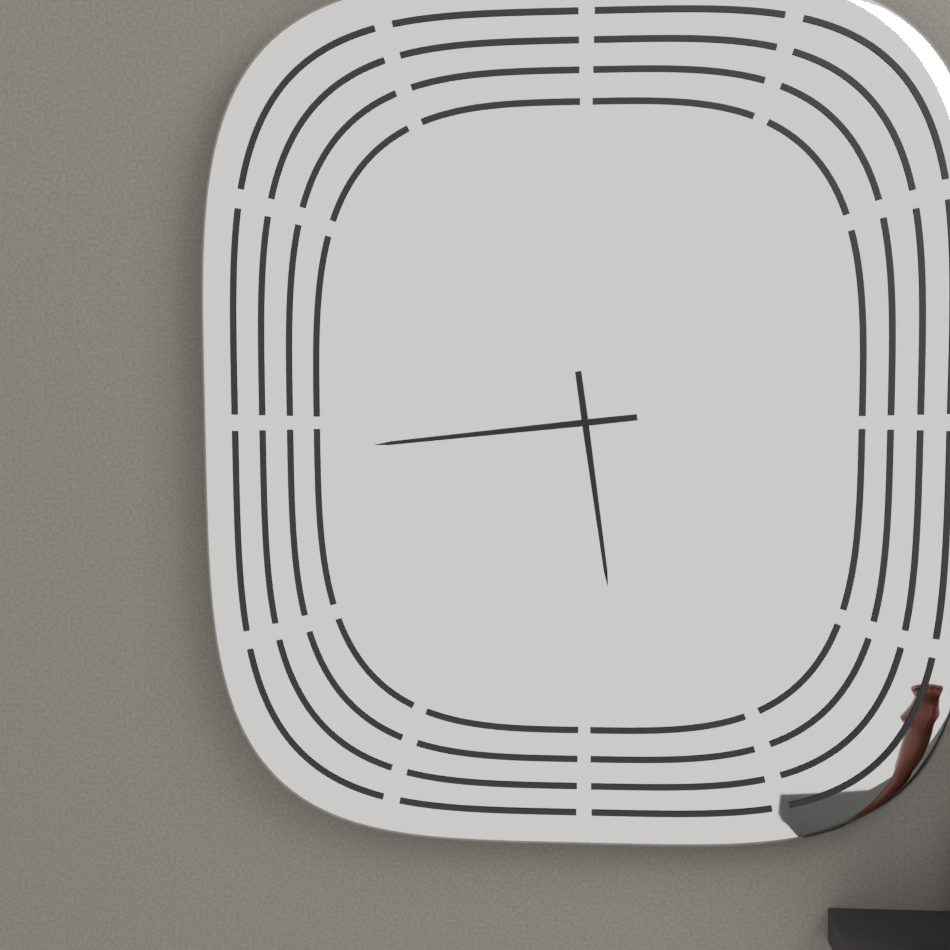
5:44
